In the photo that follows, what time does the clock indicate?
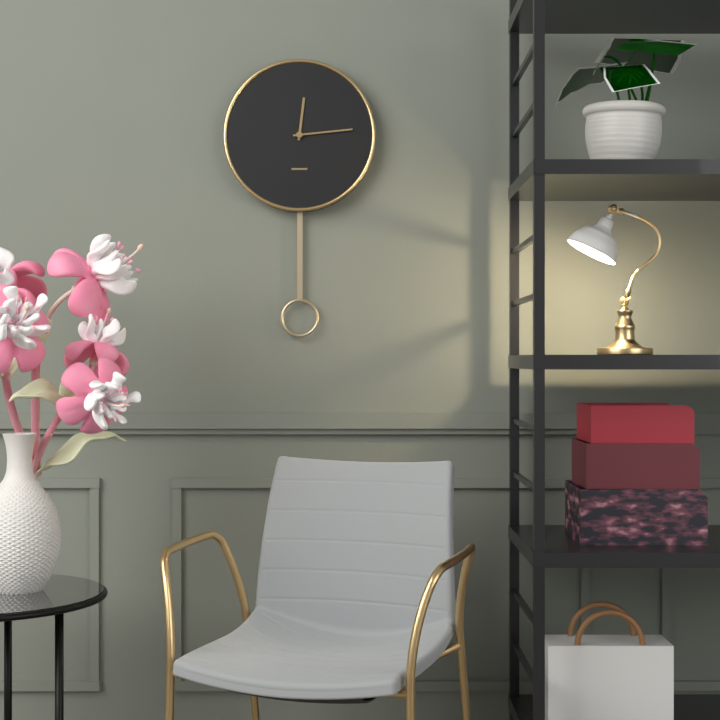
12:14
